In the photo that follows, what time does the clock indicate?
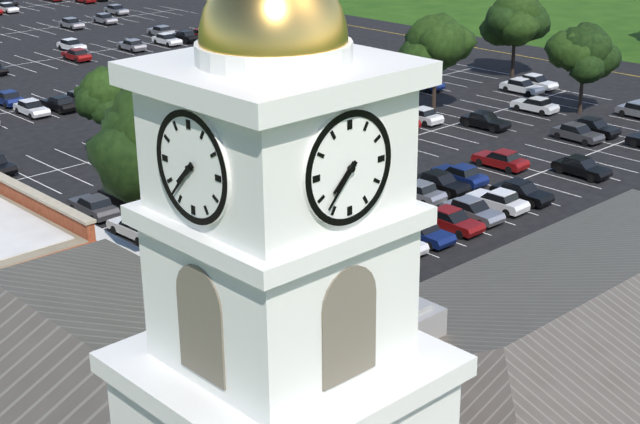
7:37
